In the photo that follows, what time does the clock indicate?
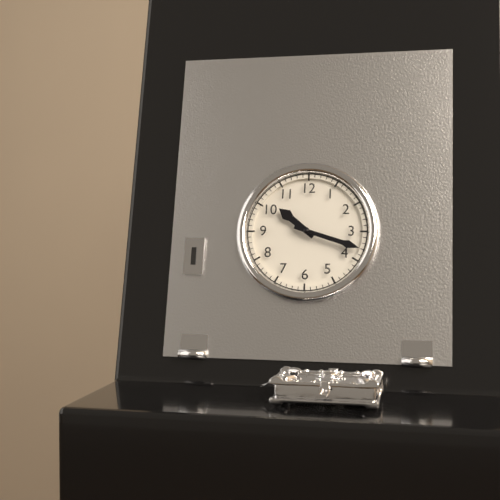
10:18
